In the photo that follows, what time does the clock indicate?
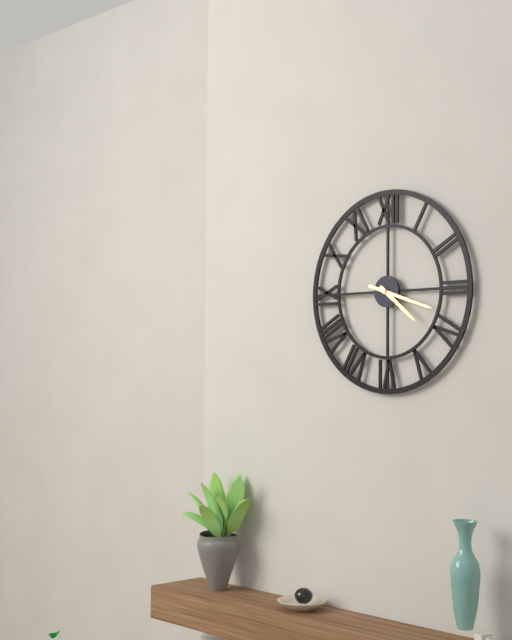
4:18
